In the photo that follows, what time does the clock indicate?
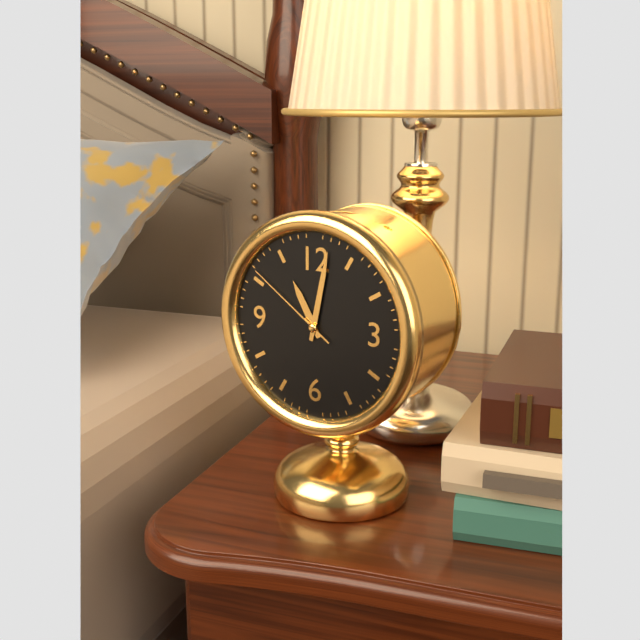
11:02:51
